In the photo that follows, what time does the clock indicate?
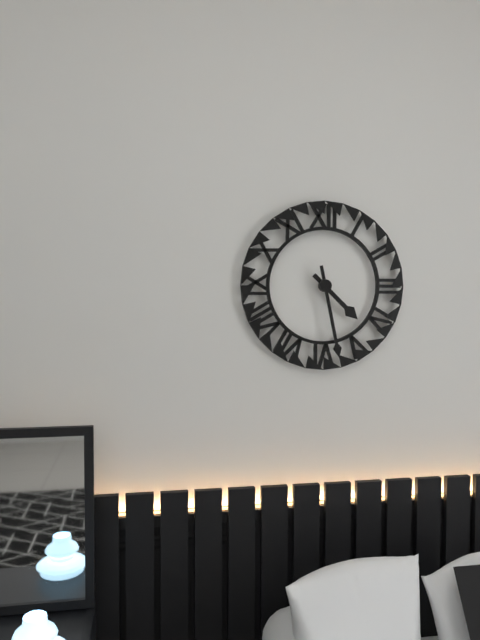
4:28
